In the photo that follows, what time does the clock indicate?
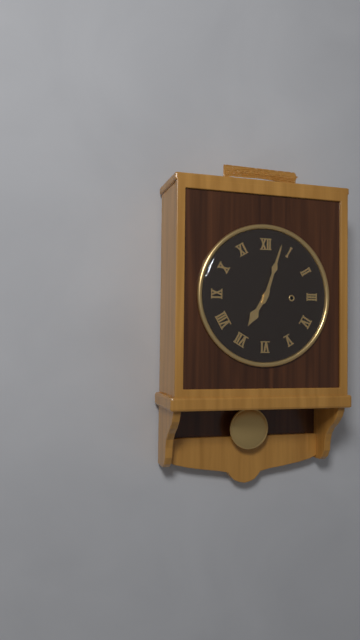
7:03
